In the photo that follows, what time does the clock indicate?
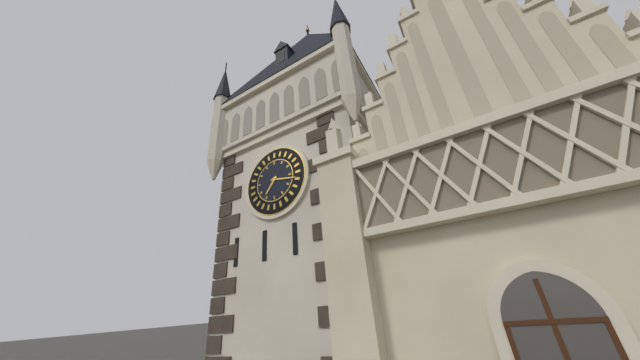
7:17
